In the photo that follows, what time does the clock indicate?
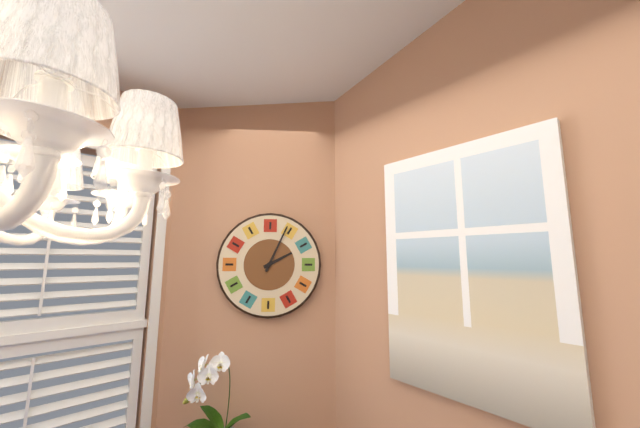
2:04
